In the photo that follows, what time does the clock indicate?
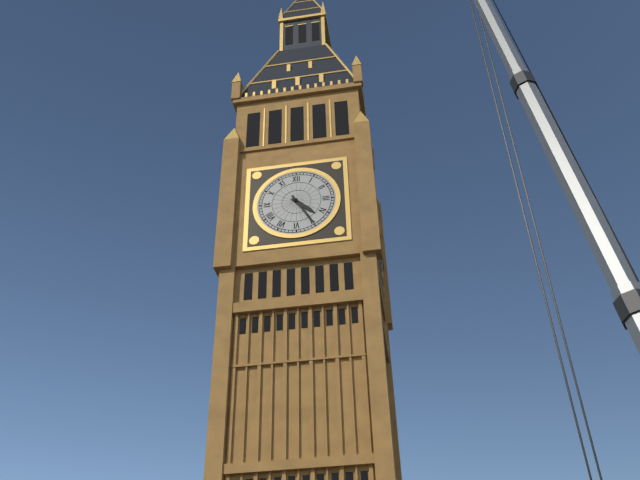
4:25
